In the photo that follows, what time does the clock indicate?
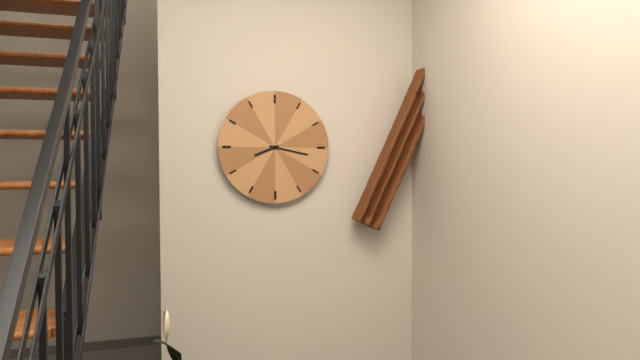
8:17
